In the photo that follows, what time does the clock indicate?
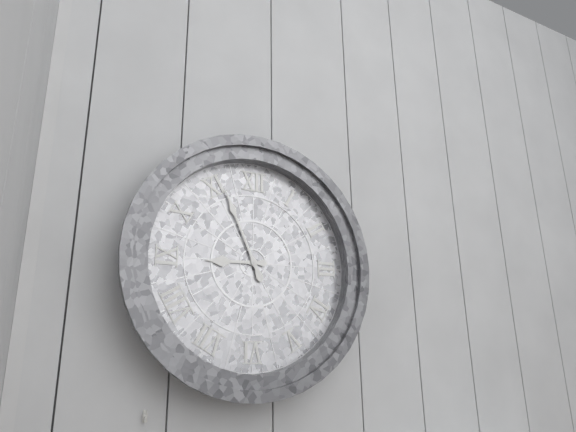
8:56
